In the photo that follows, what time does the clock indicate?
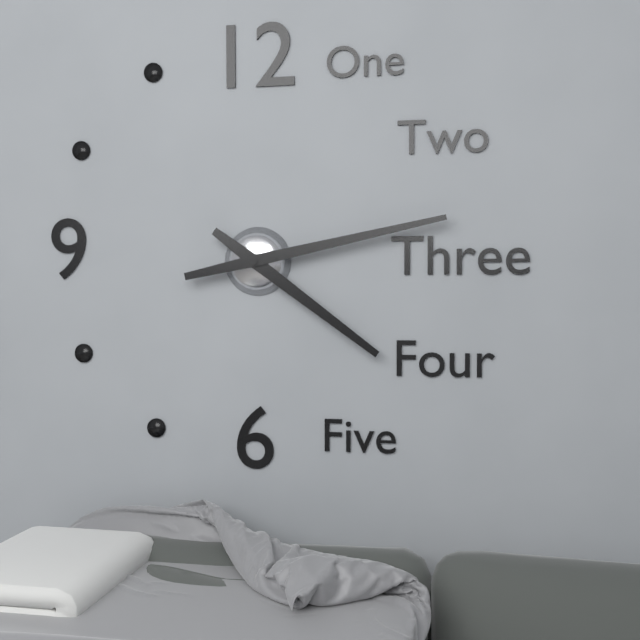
4:13
